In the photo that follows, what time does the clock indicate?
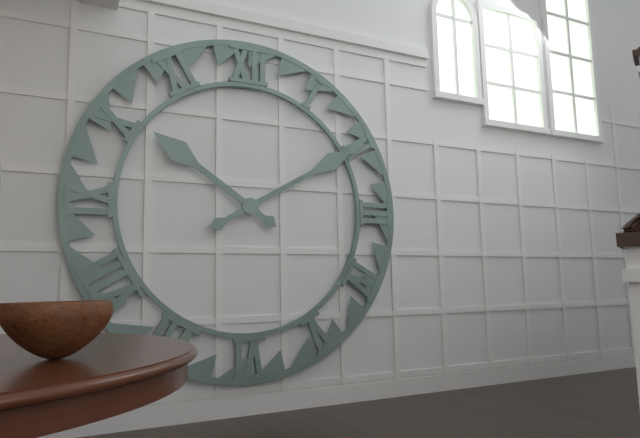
10:10
